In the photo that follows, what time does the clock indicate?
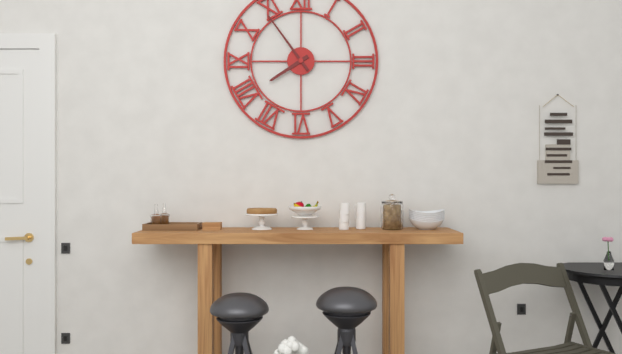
7:54
